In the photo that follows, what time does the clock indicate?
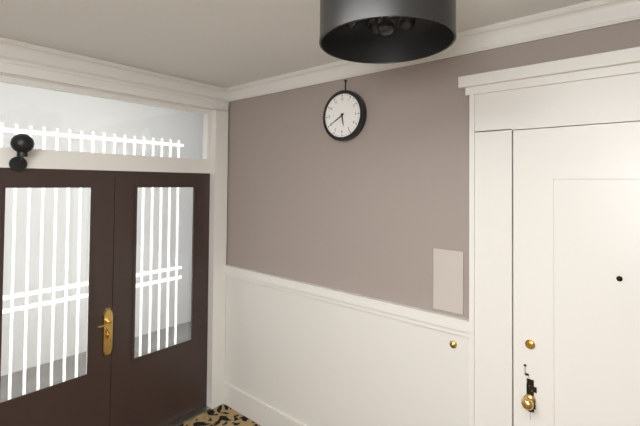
5:40
